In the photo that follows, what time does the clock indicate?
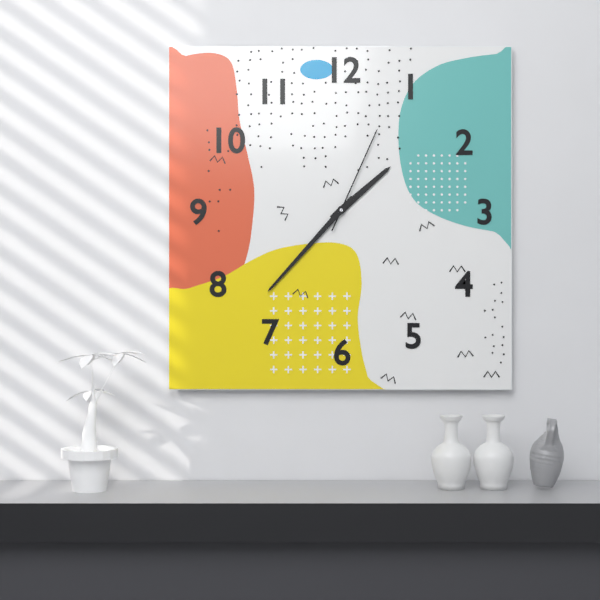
1:37:04
